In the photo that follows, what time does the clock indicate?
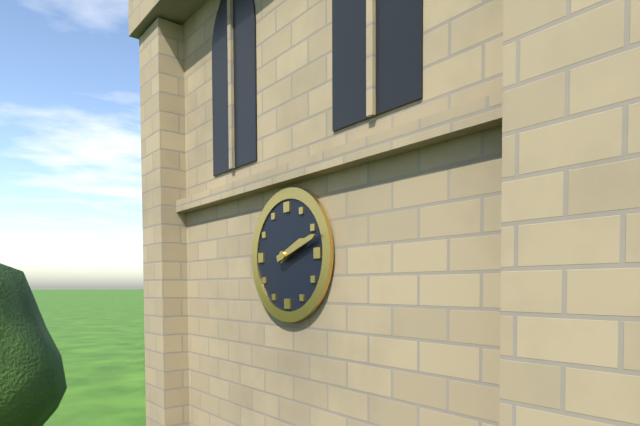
2:12
